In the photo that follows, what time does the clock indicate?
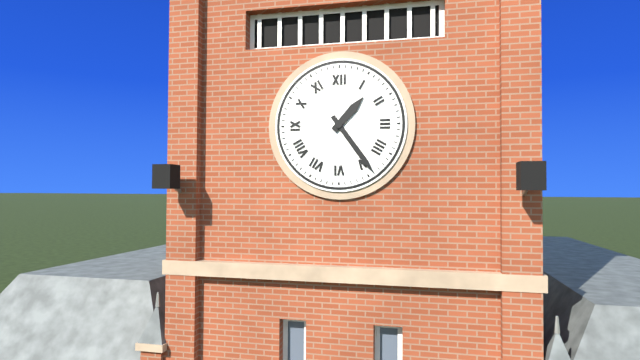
1:24
